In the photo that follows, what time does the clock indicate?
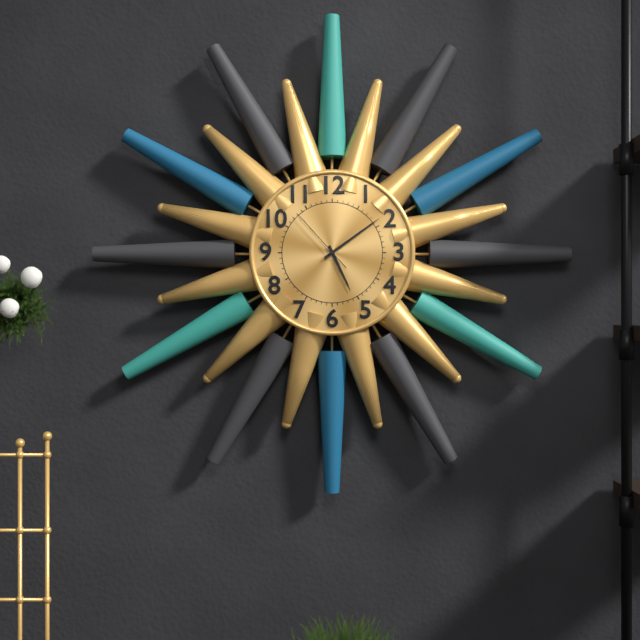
5:09:53
